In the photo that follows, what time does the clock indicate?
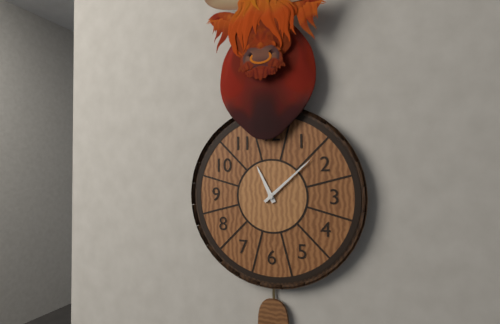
11:08
